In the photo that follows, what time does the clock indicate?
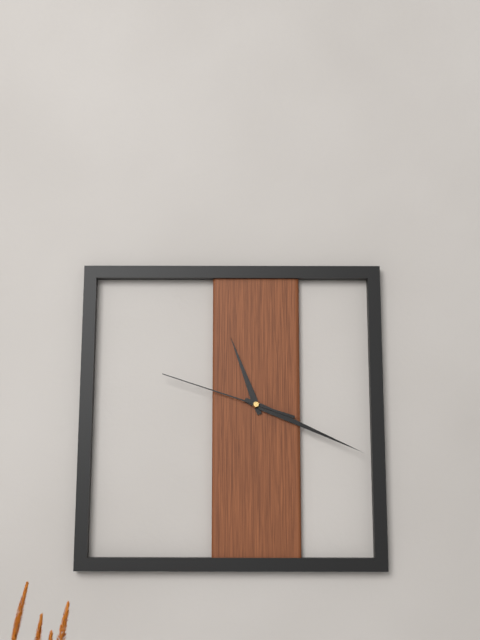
11:19:48
